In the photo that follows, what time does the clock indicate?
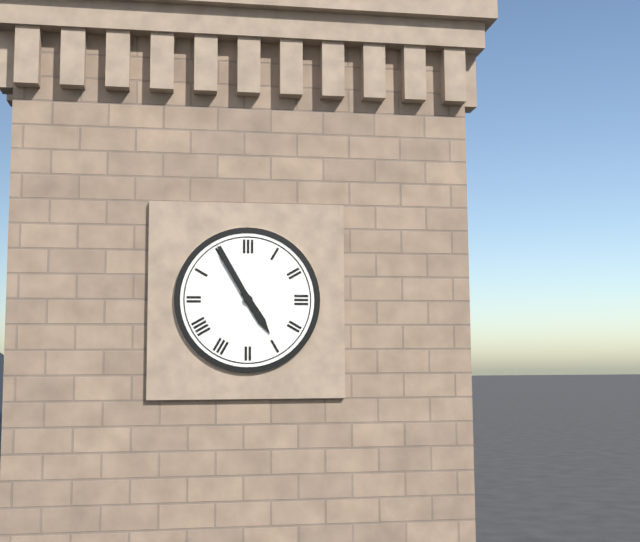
4:55
